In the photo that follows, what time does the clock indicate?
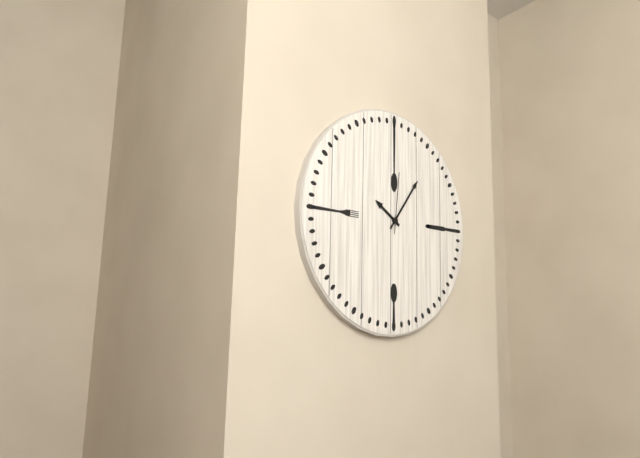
10:06:01
